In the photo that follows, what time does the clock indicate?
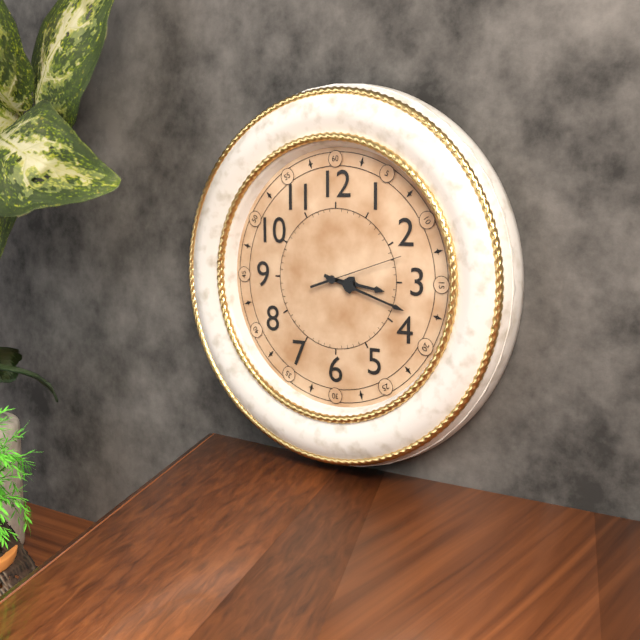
3:18:12
